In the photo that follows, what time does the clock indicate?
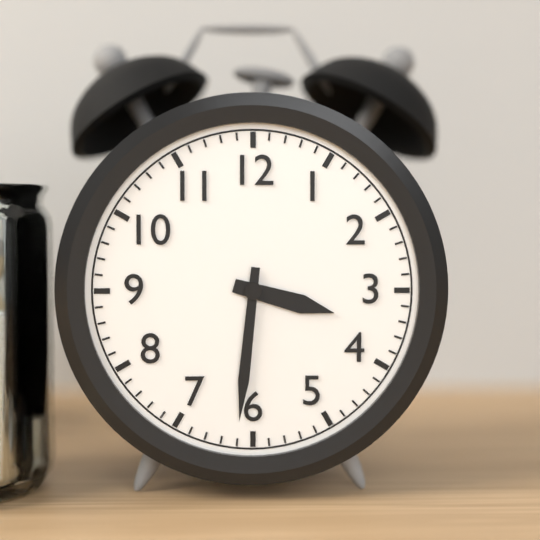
3:31
